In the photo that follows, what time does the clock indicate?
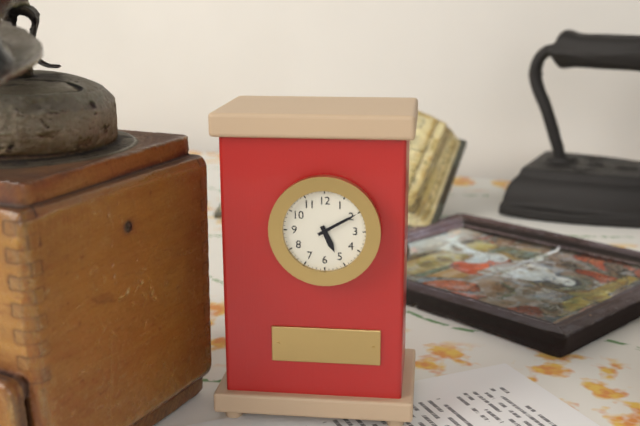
5:10
